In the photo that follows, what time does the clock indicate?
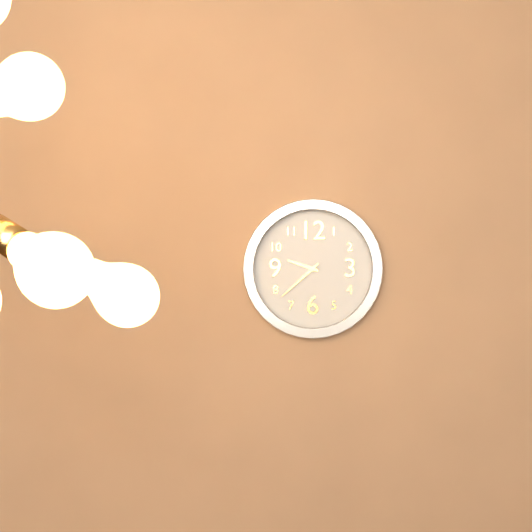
9:38
